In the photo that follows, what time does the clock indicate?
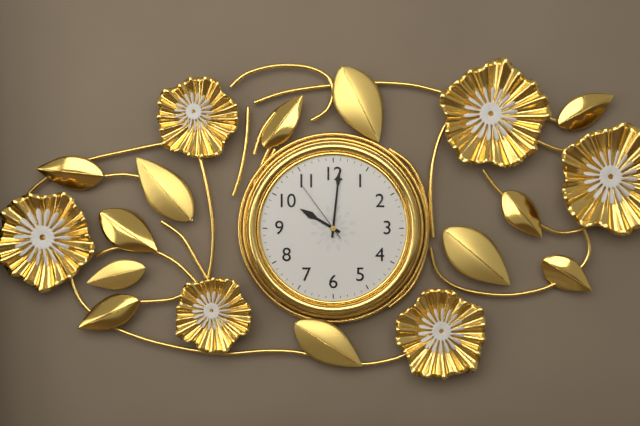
10:01:54
